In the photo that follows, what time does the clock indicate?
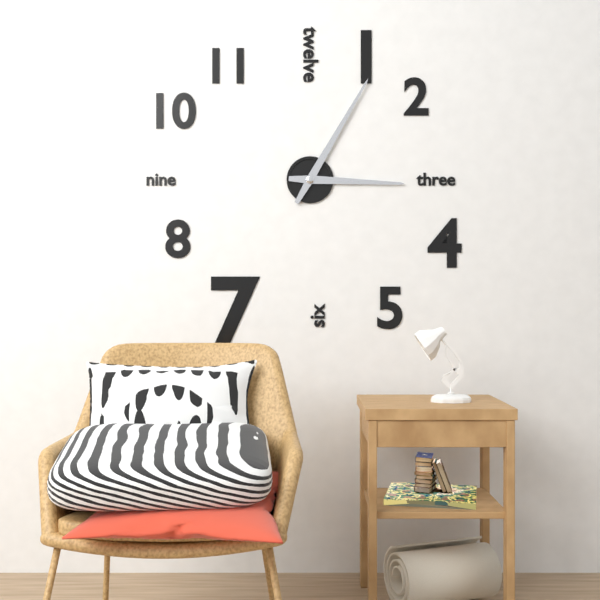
3:05
